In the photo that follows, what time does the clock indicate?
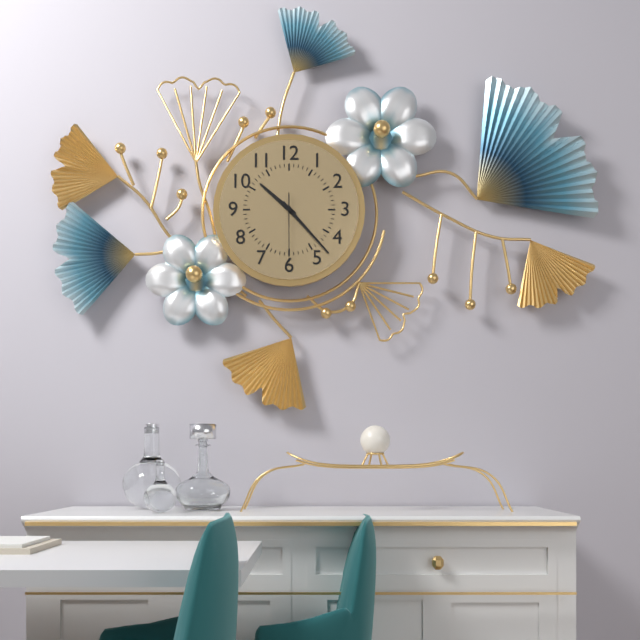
10:23:30
